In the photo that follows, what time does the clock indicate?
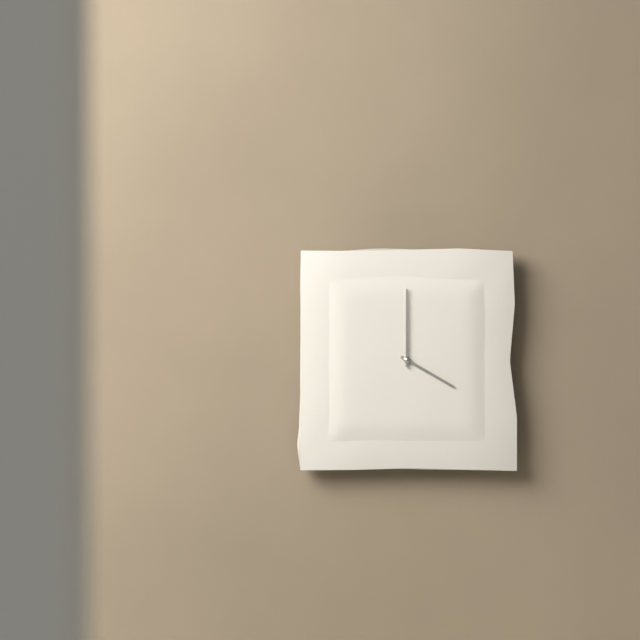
4:00
